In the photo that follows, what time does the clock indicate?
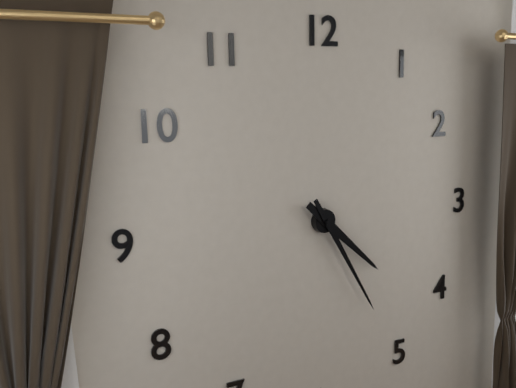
4:25
